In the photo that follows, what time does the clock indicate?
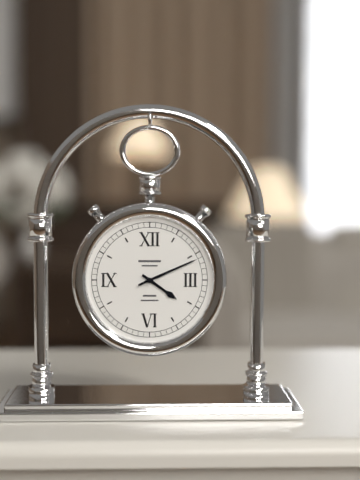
4:11
